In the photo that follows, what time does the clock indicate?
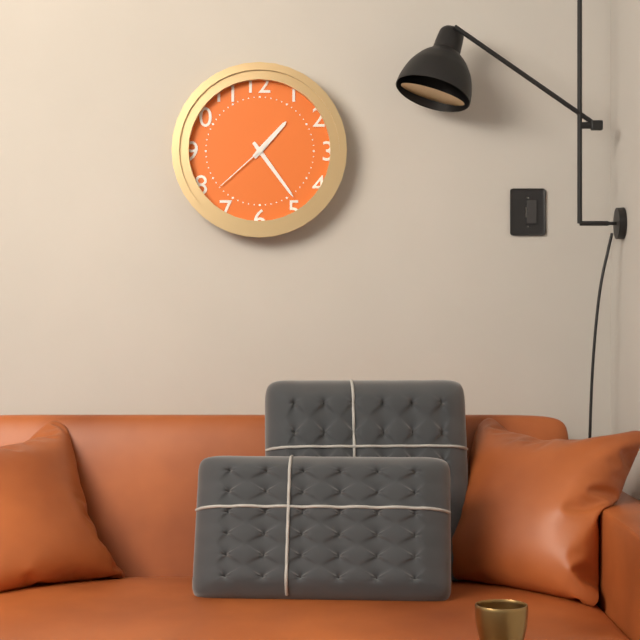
1:24:38
